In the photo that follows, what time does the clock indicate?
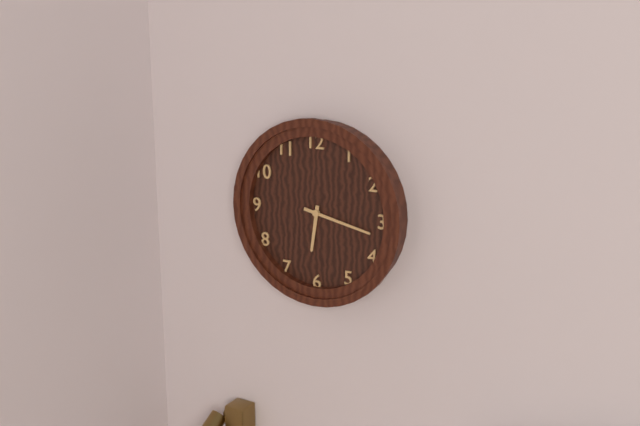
6:17
